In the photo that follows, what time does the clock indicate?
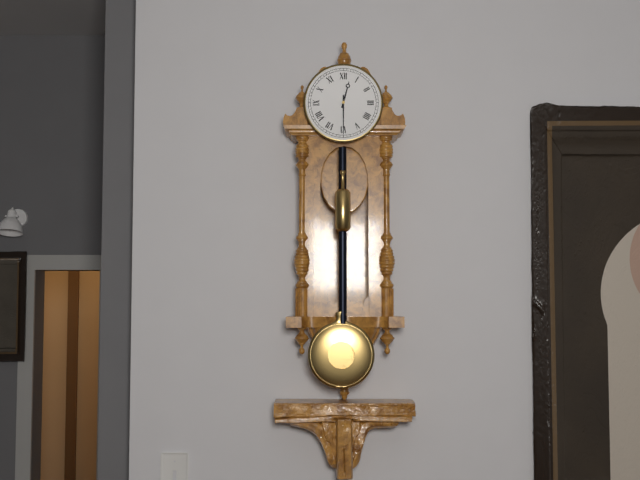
12:30
